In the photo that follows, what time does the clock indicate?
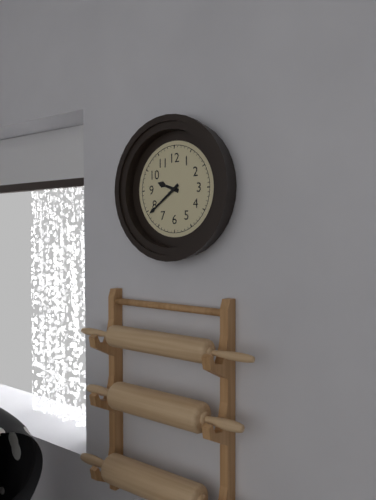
9:39
